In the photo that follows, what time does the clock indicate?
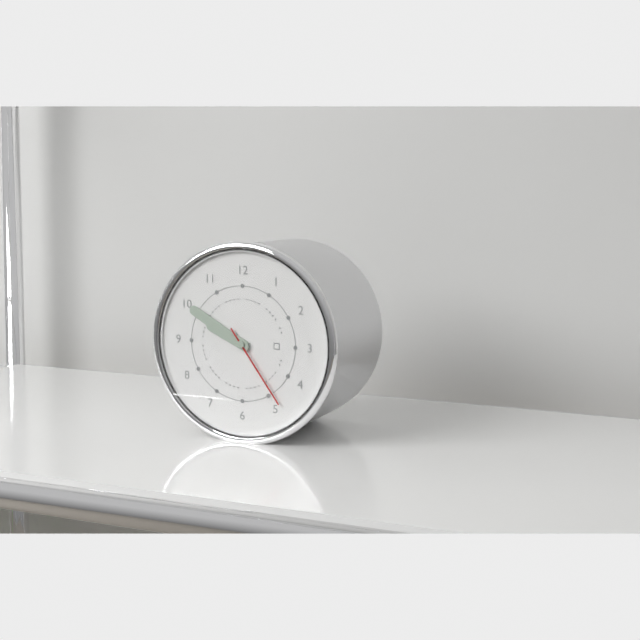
9:50:24
